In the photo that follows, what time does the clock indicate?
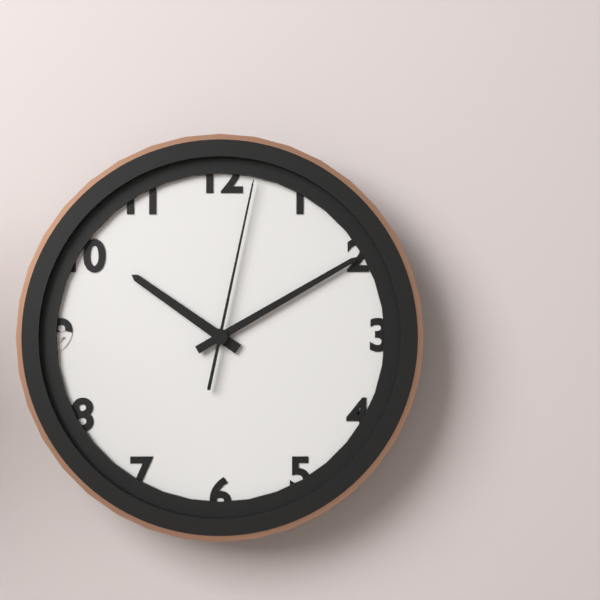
10:10:02
